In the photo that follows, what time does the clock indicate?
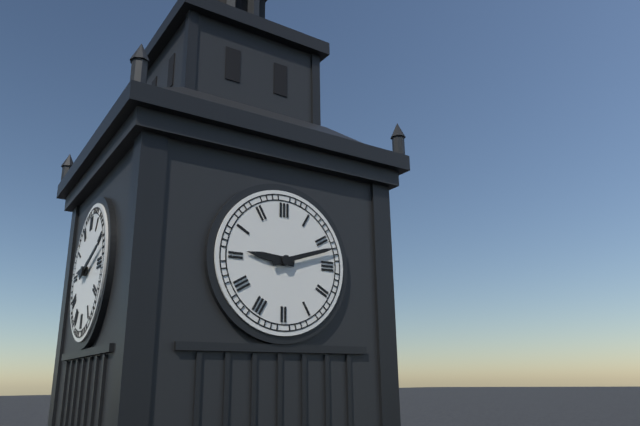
9:12
